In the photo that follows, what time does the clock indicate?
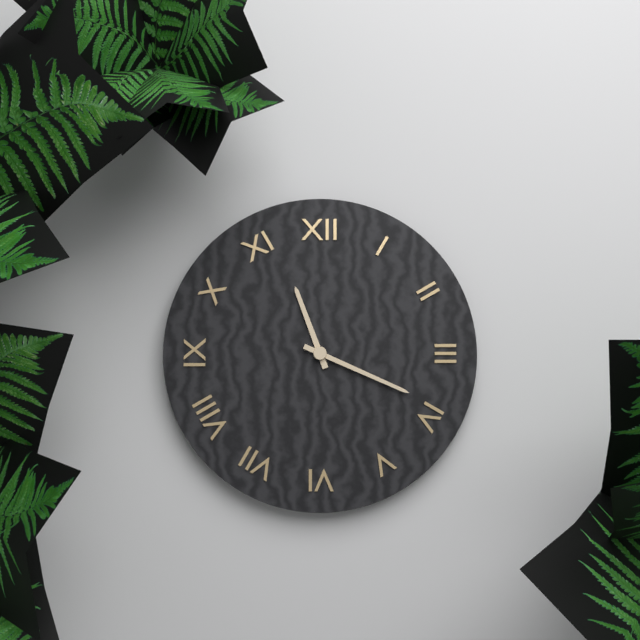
11:19
